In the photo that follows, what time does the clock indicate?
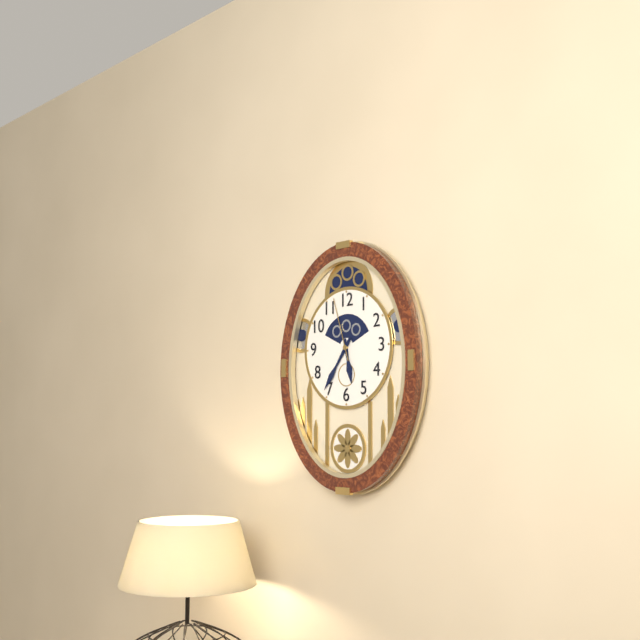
5:36:57
